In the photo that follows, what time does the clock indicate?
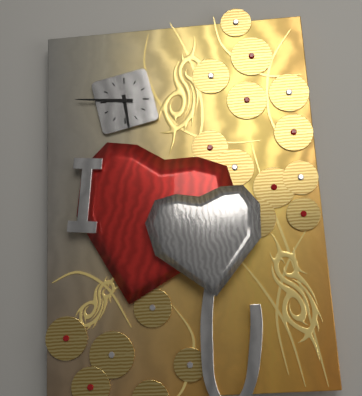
5:46
